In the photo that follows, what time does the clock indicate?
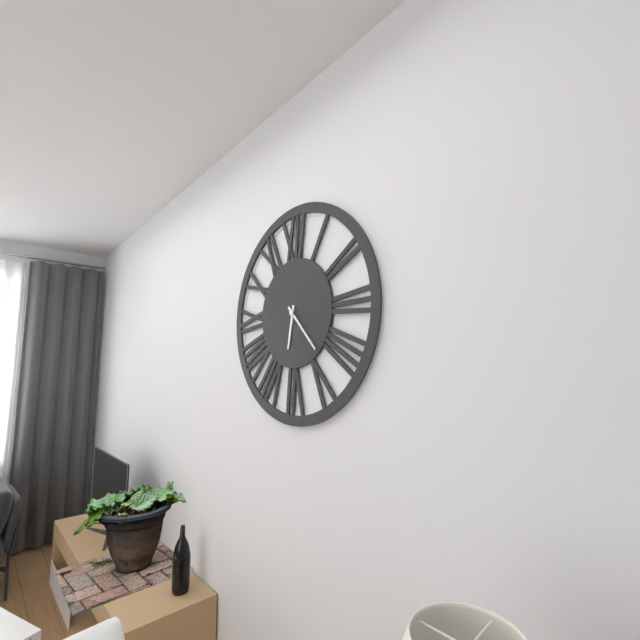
6:23
